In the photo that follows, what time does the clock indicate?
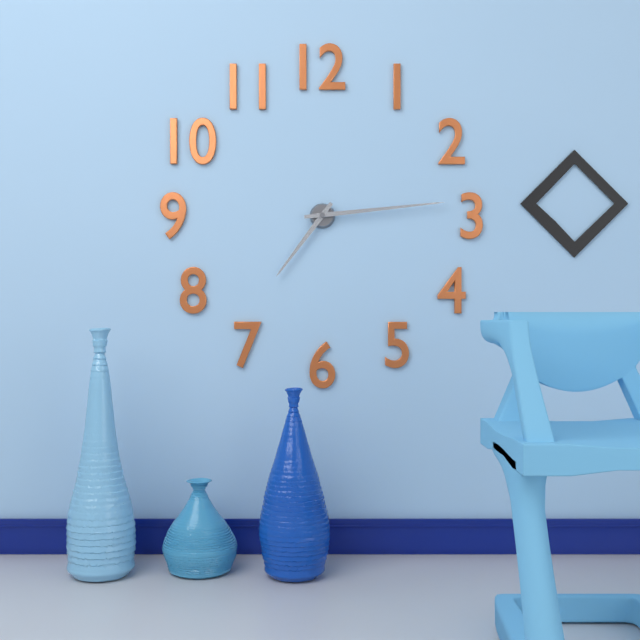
7:14
